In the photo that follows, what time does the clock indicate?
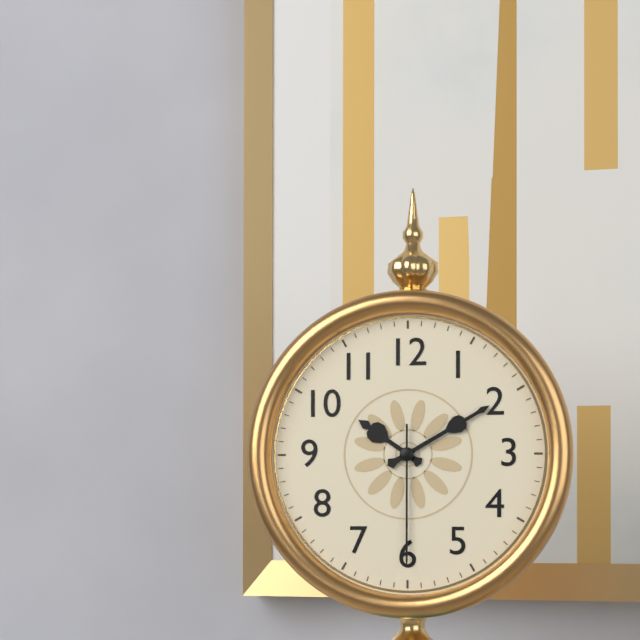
10:10:30
